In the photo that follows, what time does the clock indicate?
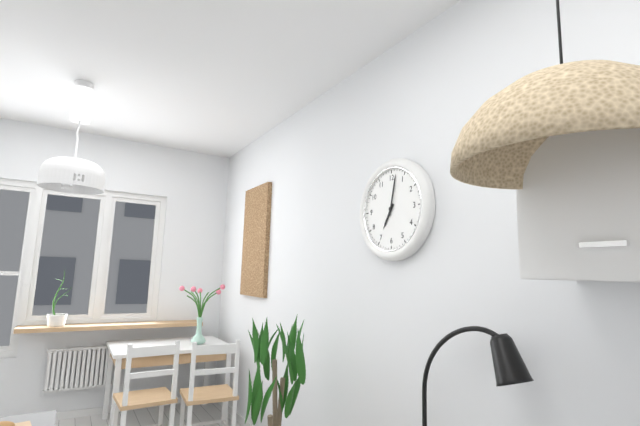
7:02
